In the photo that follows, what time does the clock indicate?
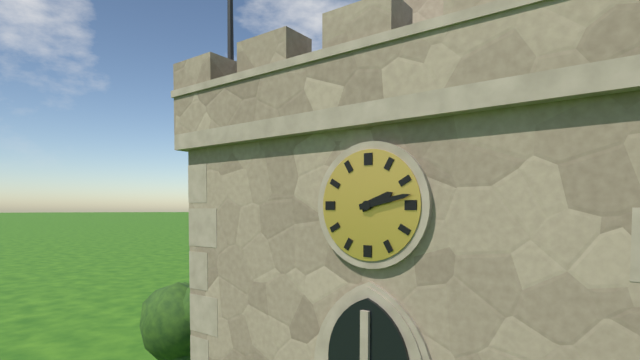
2:13
